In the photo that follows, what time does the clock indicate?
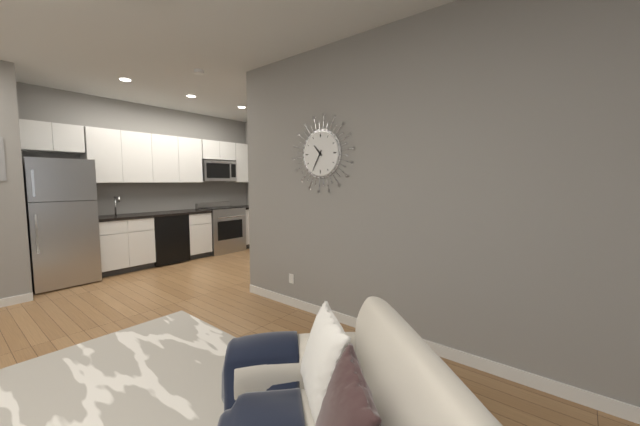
10:35
